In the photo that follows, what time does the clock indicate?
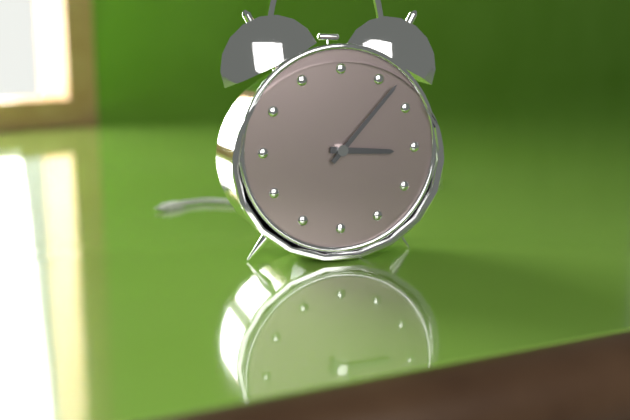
3:07
